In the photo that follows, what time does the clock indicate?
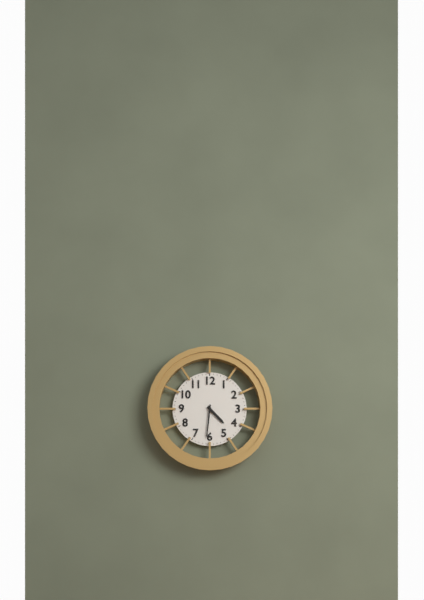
4:31
